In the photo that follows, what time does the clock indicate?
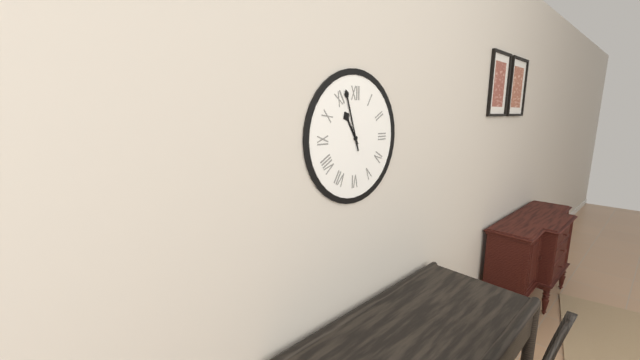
10:57
